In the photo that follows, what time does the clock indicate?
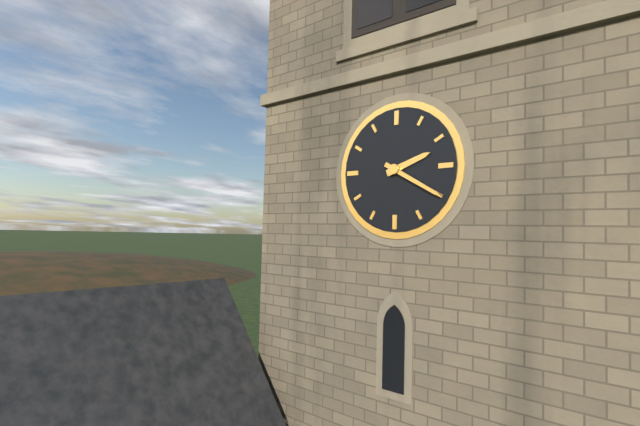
2:20
